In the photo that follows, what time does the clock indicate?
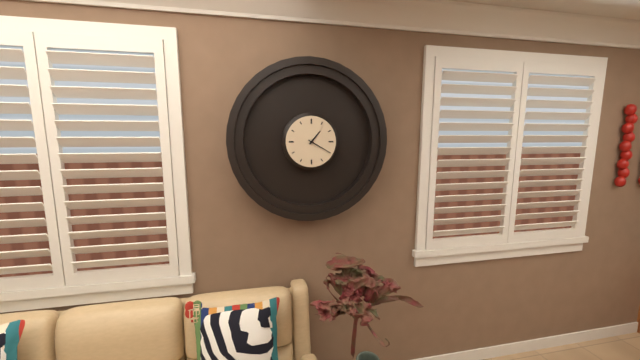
1:20
